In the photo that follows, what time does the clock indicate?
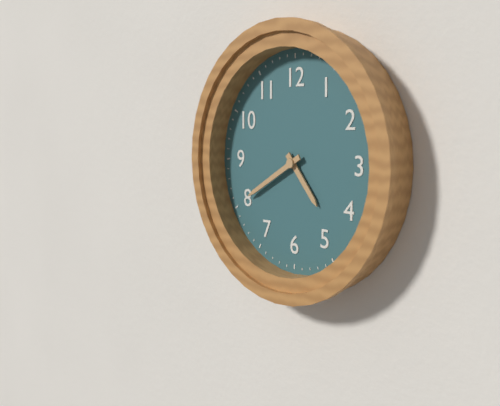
4:40
